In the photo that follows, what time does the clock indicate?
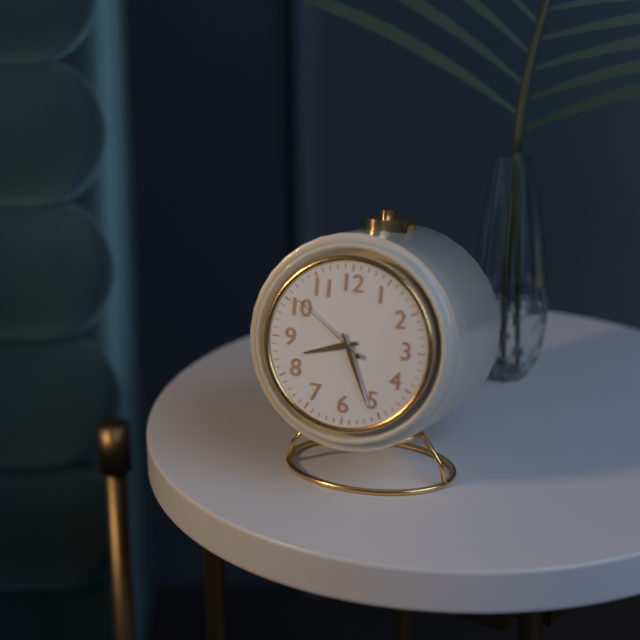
8:26:51
